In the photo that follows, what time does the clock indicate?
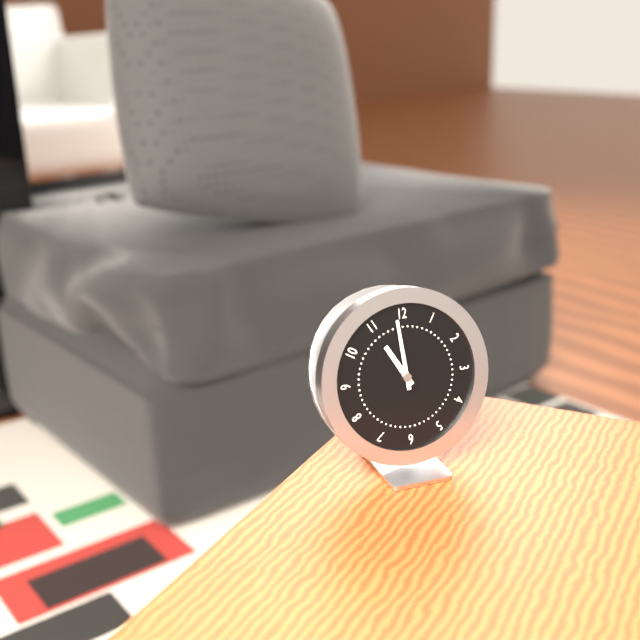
10:59
